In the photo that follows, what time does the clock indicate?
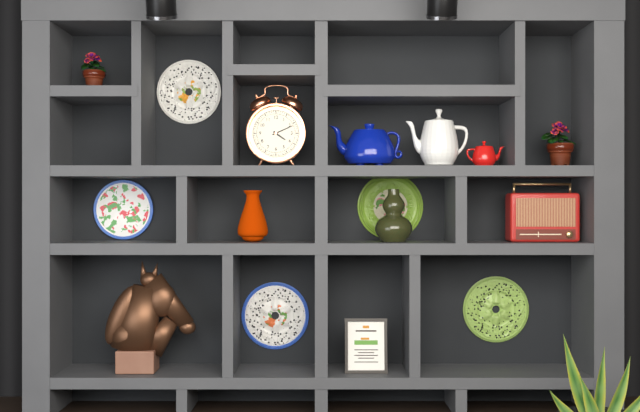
4:11
